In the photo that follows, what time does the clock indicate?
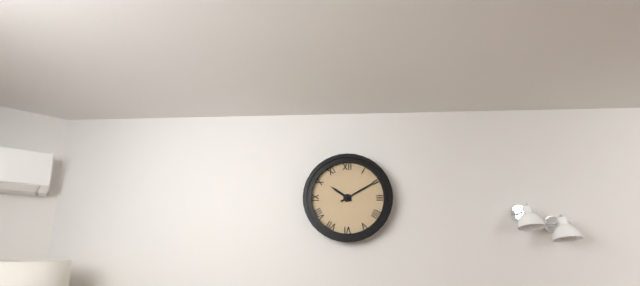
10:10
